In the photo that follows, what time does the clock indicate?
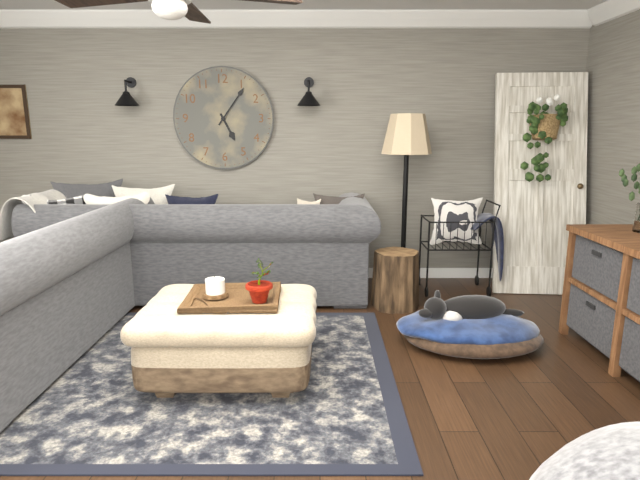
5:06
